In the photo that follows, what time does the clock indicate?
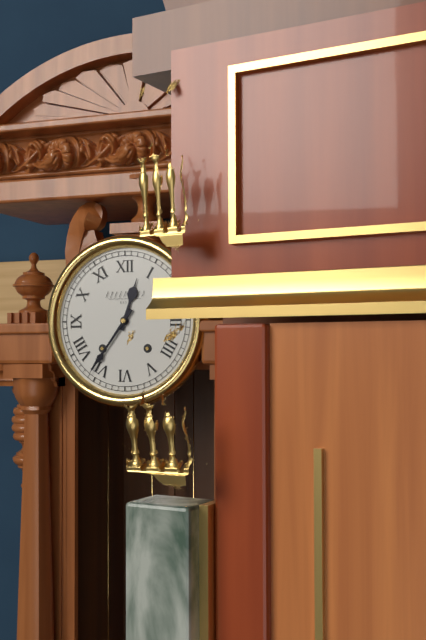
12:36
